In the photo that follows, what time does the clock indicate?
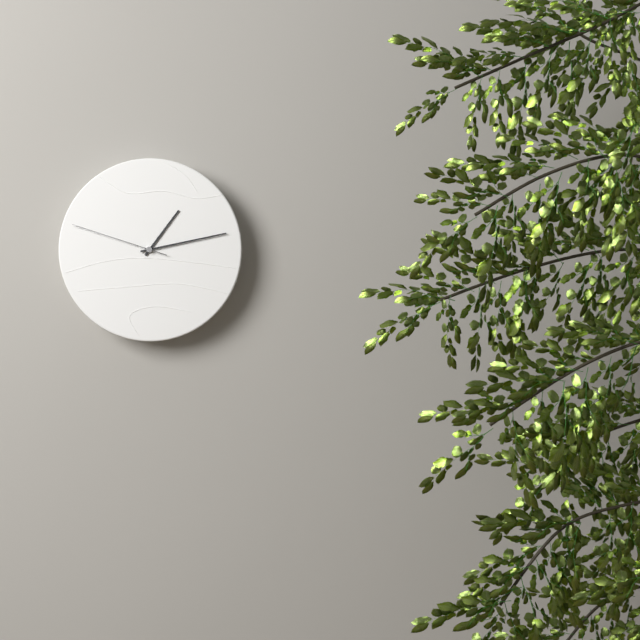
1:13:48
